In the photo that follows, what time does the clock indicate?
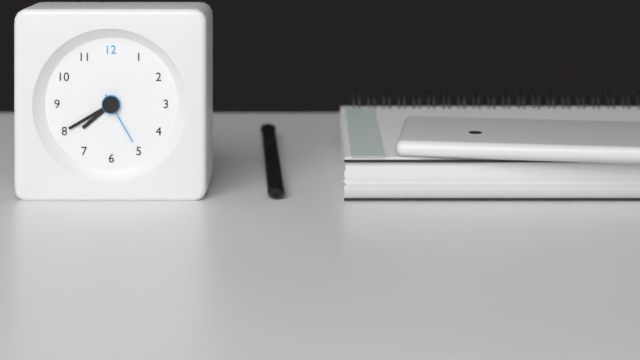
7:40:25
